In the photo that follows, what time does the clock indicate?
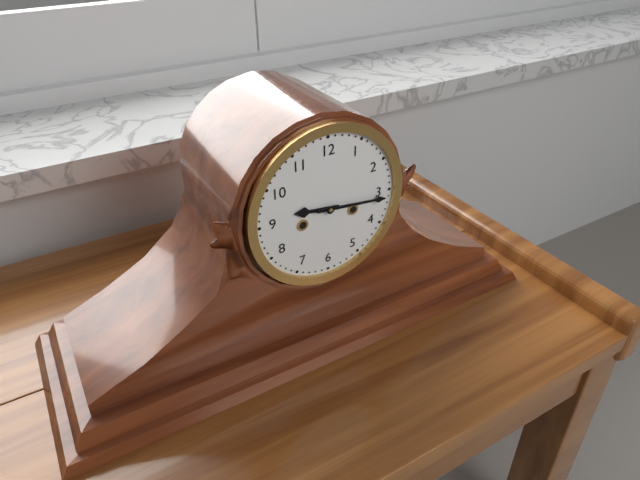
9:16
